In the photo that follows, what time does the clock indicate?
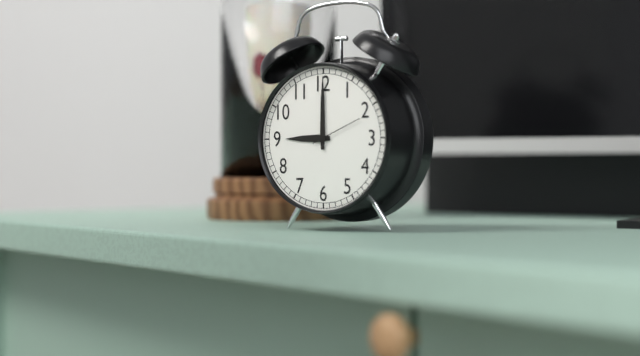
9:00
